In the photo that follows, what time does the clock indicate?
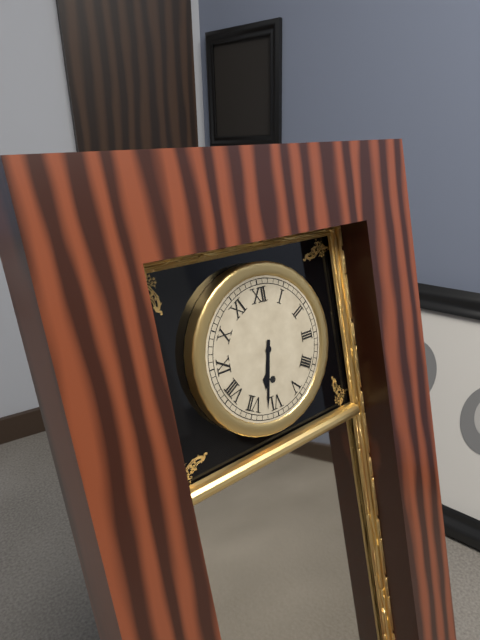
6:32
